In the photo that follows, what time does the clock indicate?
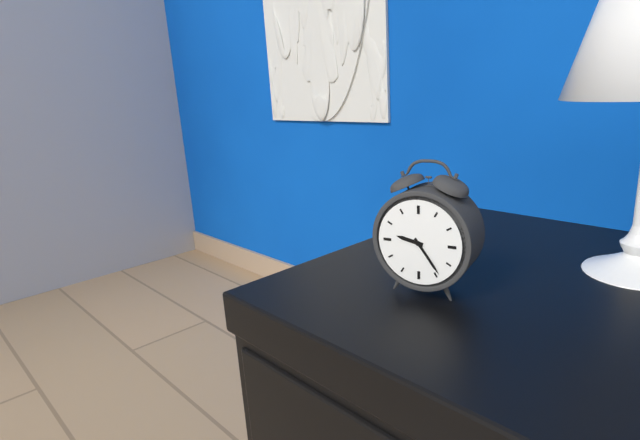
9:24
